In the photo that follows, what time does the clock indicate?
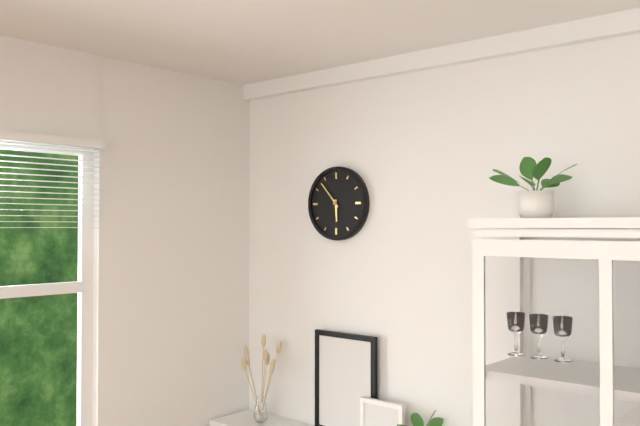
5:53
